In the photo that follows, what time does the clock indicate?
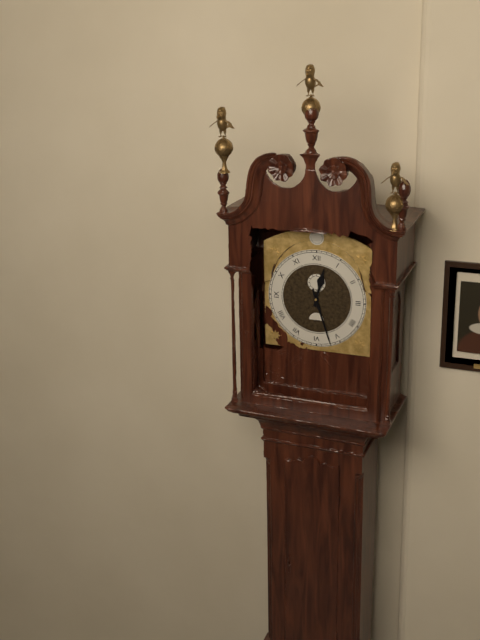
12:27
